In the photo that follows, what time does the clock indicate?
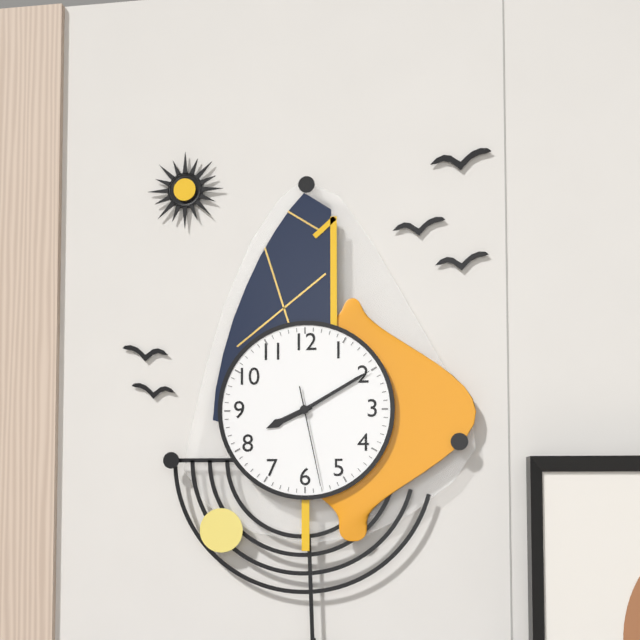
8:10:28
